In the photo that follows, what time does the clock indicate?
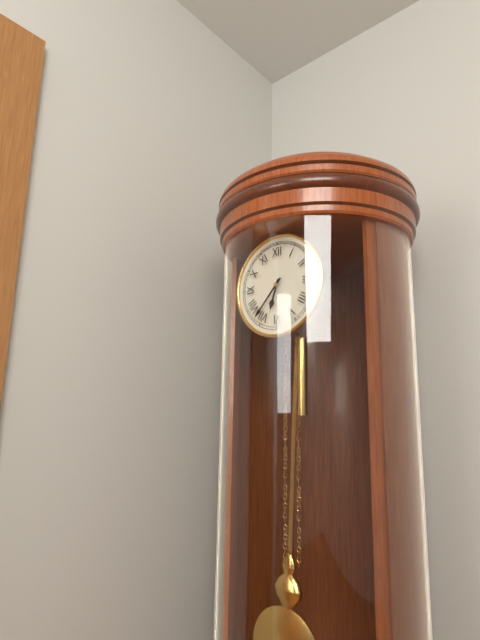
6:37
